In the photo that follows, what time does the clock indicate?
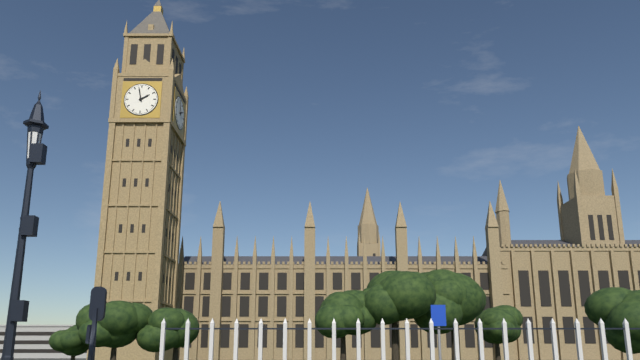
1:58
